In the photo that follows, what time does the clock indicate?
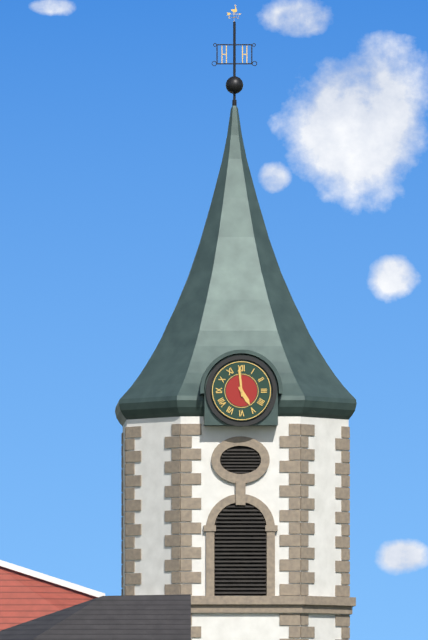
4:59
